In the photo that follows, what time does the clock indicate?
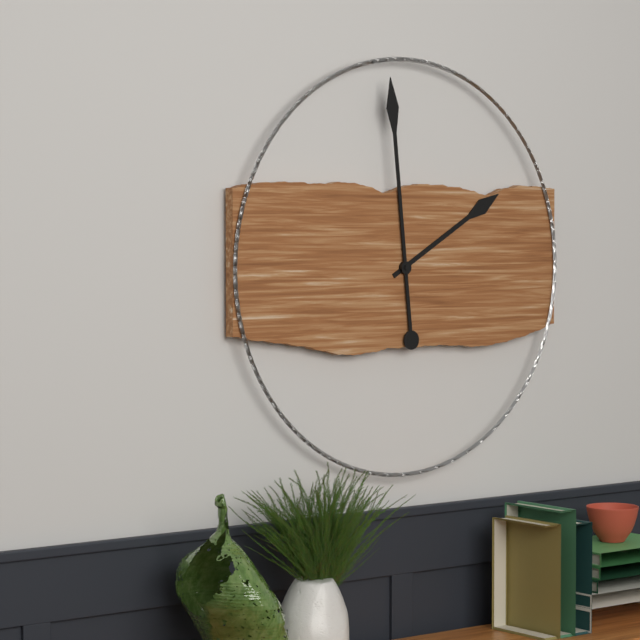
1:59
